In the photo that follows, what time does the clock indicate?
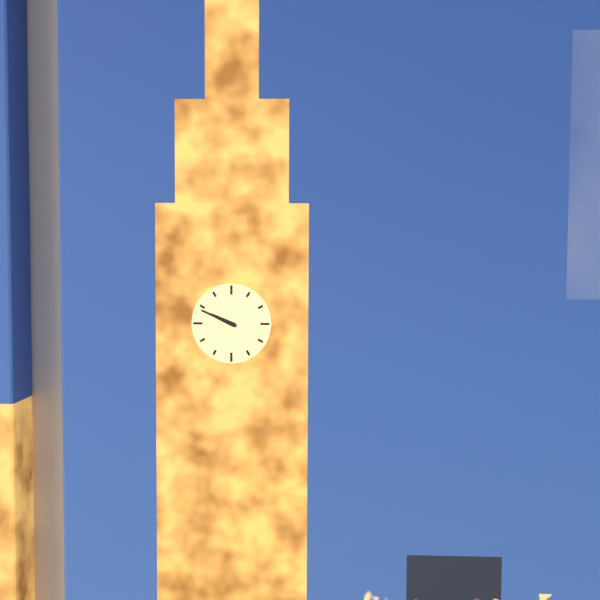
9:49
